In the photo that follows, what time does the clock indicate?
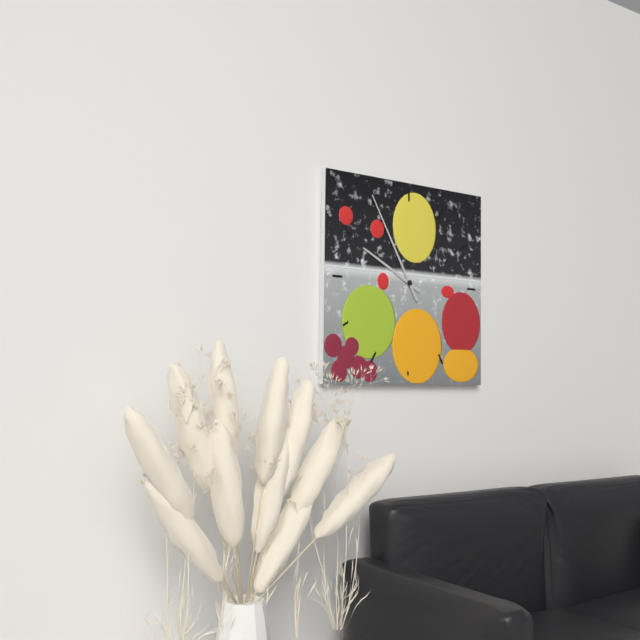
9:55
